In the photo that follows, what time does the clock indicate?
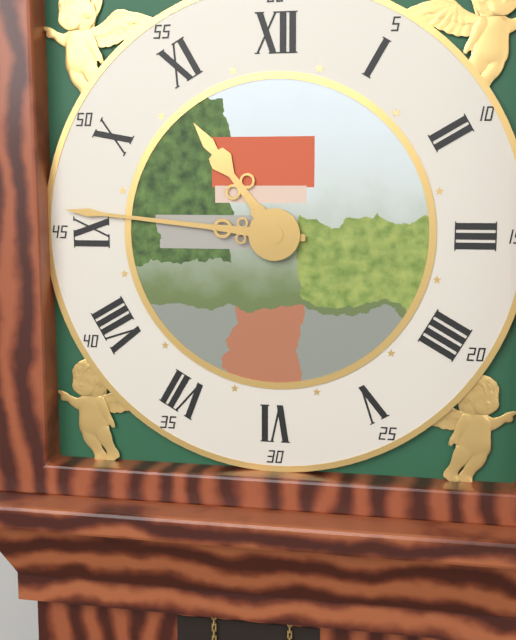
10:46
